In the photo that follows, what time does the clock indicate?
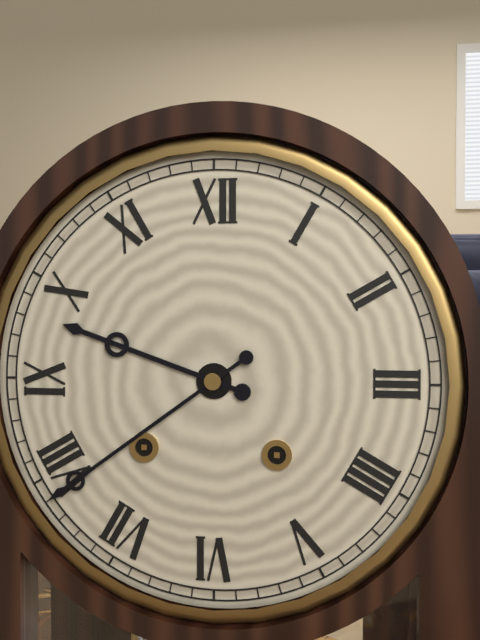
9:39
